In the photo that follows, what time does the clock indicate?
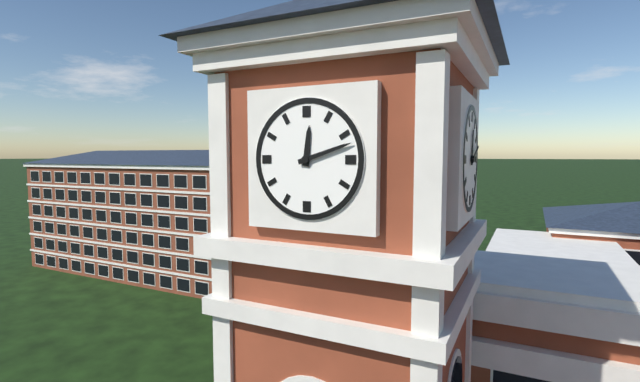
12:12
